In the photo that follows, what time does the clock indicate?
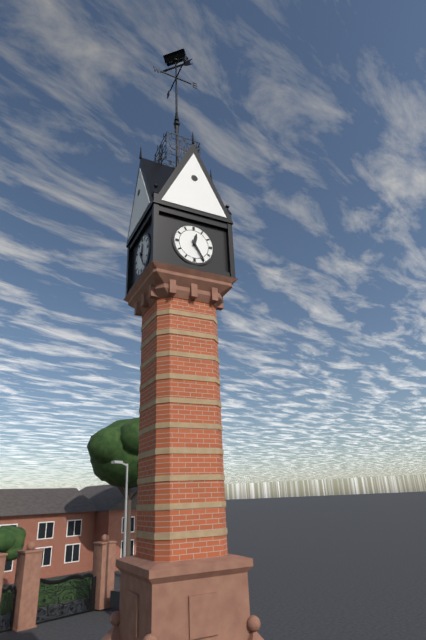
12:25
